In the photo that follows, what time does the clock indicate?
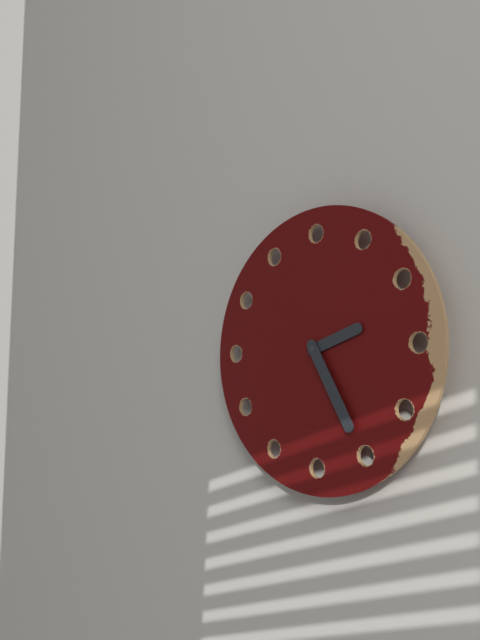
2:25
